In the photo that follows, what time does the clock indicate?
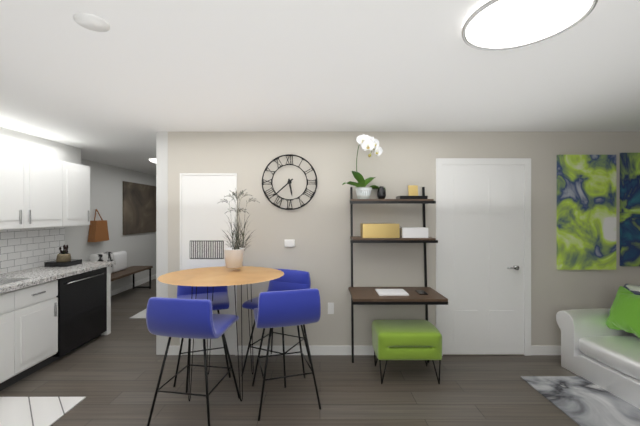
5:38
